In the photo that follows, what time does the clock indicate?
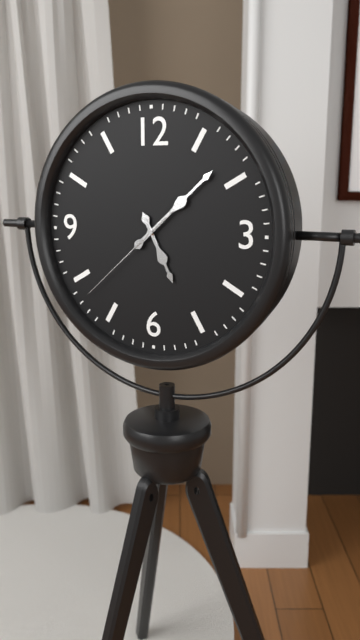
5:08:38
